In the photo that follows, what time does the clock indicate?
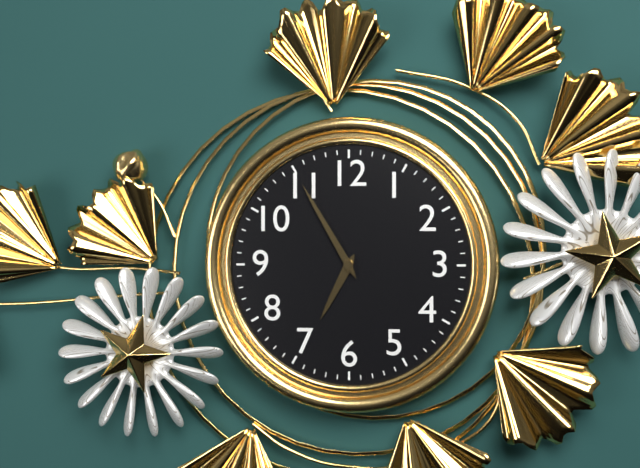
6:55
